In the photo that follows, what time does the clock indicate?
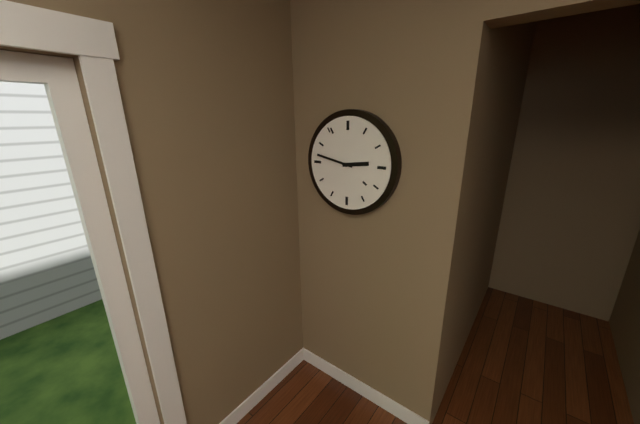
2:47
